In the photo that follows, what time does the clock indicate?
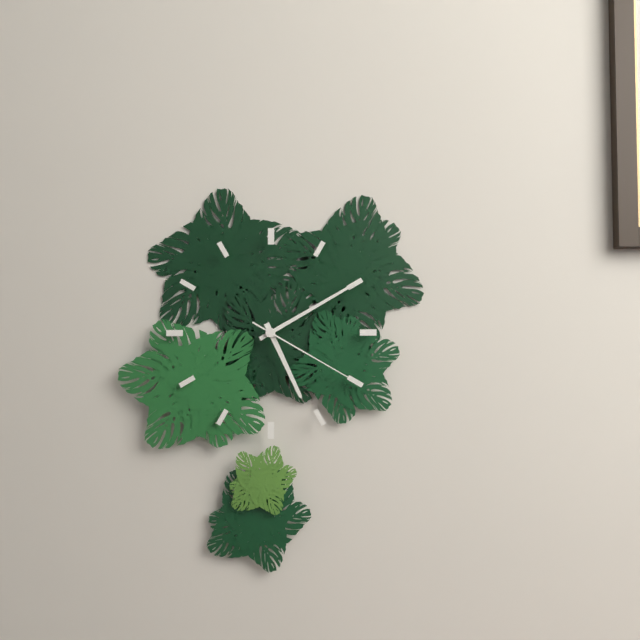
5:10:20
